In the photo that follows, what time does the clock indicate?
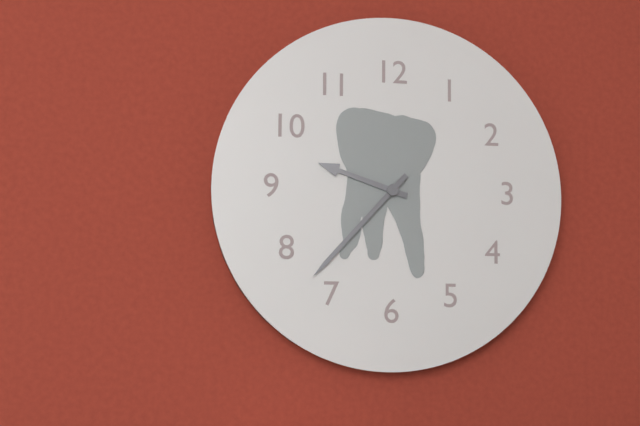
9:37
